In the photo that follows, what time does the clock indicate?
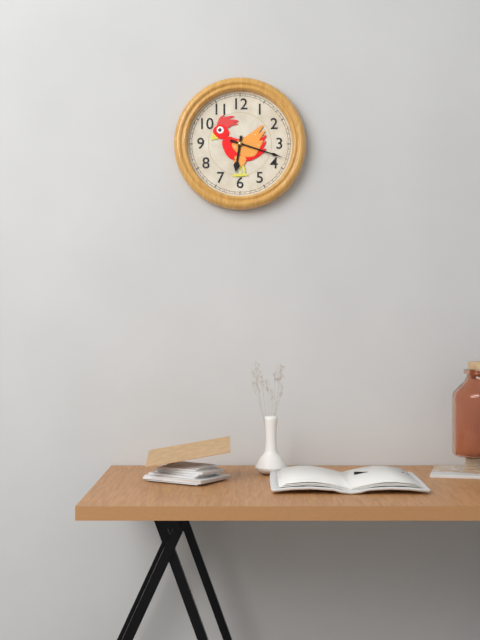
6:18
